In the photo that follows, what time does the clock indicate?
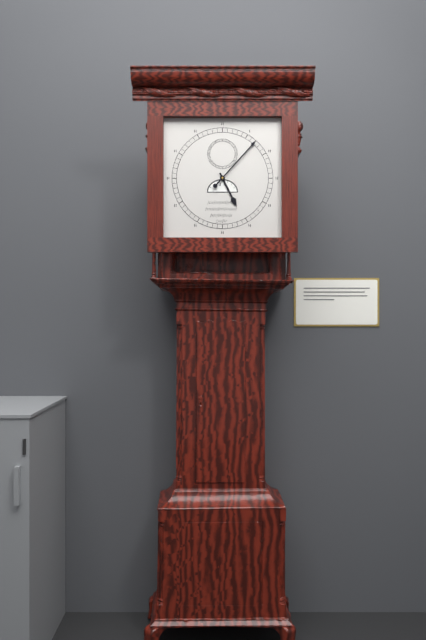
5:07
